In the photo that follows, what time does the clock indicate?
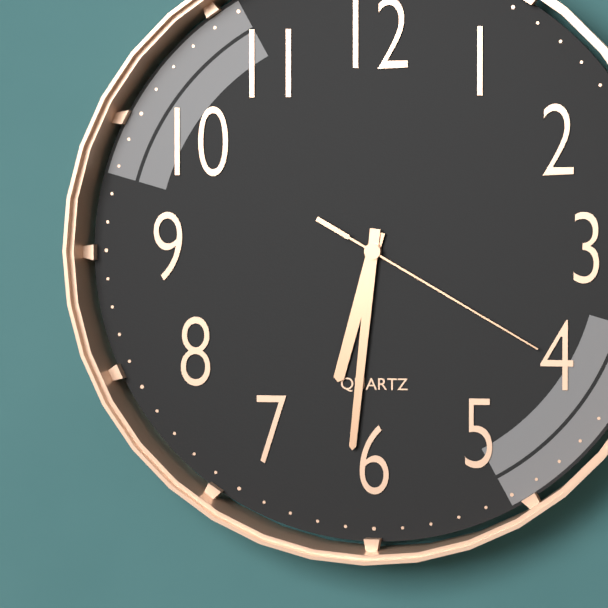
6:31:20
